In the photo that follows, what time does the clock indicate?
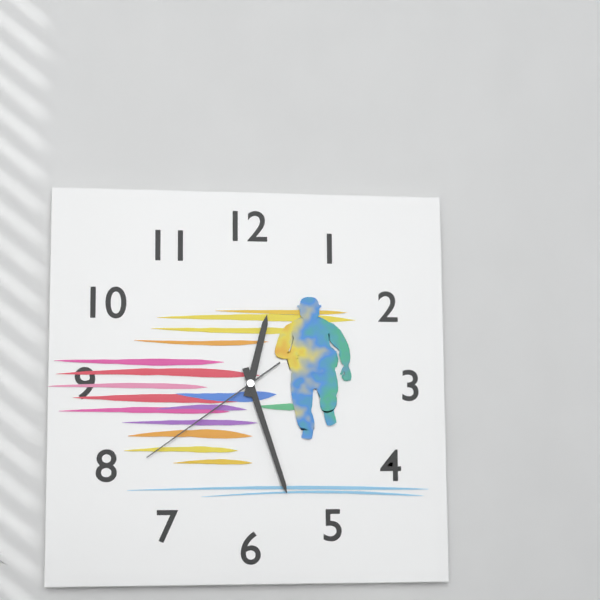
12:27:39
